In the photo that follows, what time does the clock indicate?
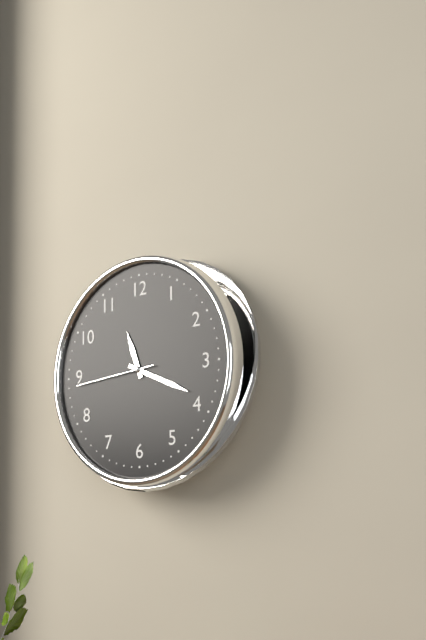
11:19:44
